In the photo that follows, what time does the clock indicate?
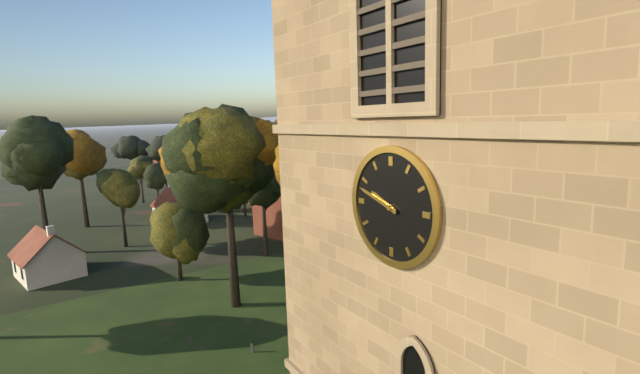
9:48
